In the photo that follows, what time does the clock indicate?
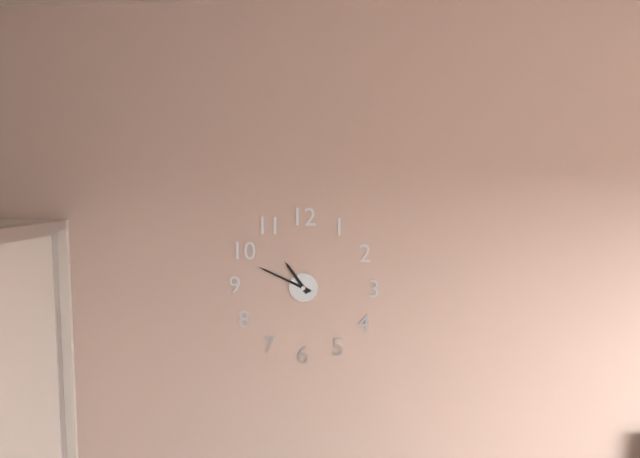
10:49
